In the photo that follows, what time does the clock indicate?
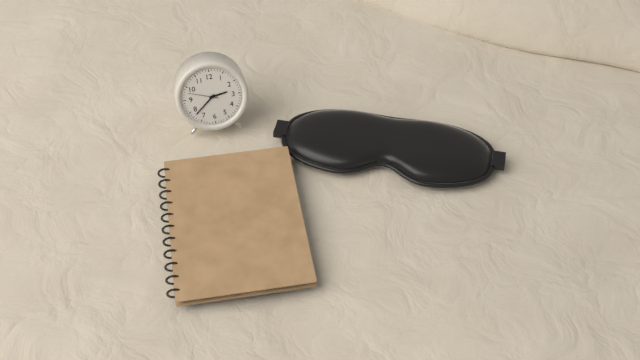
2:38
